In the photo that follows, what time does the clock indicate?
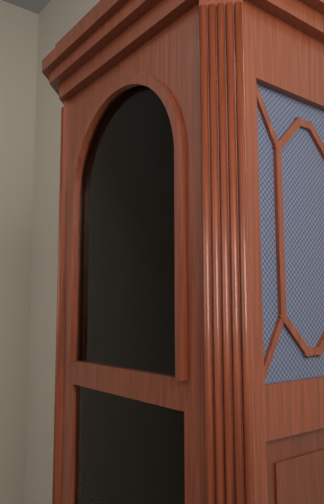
7:40
